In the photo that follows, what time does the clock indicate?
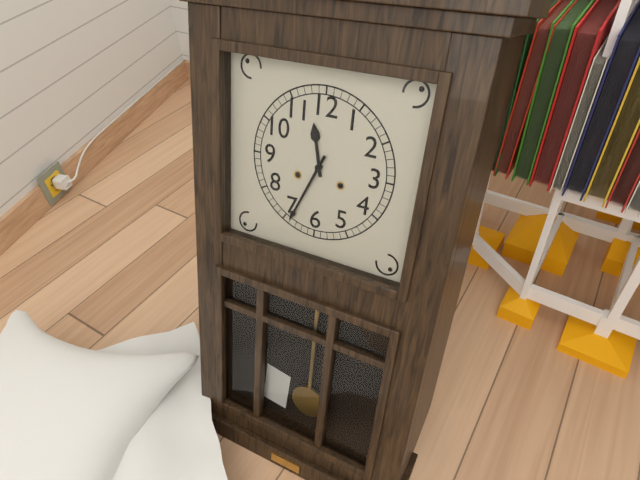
11:34
